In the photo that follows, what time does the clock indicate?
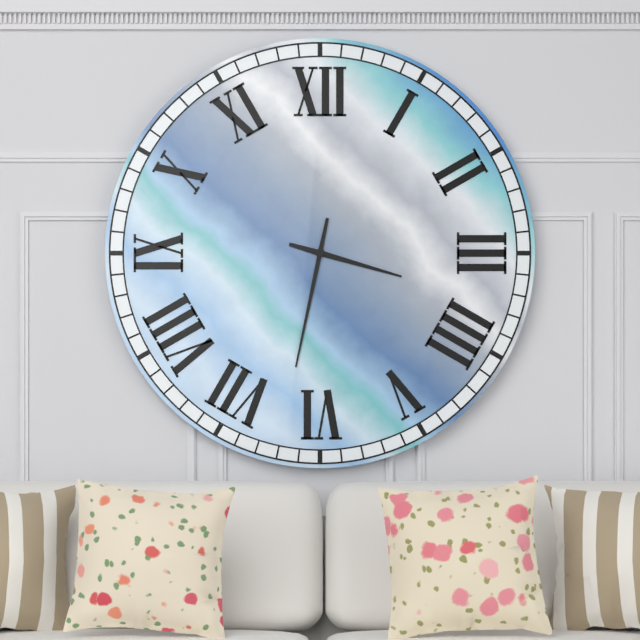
3:32
